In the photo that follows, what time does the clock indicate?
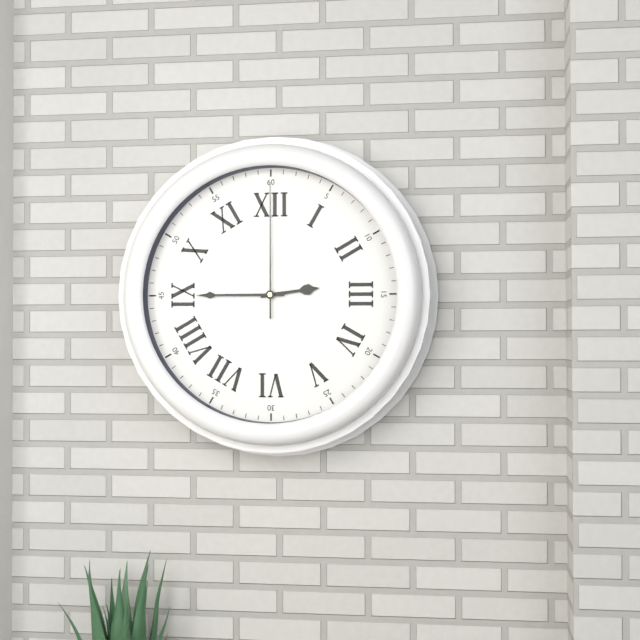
2:45:00
